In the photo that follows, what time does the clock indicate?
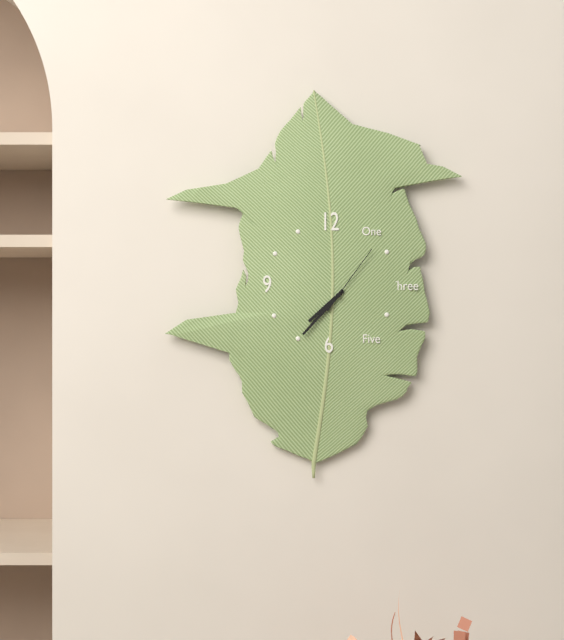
7:37:06
